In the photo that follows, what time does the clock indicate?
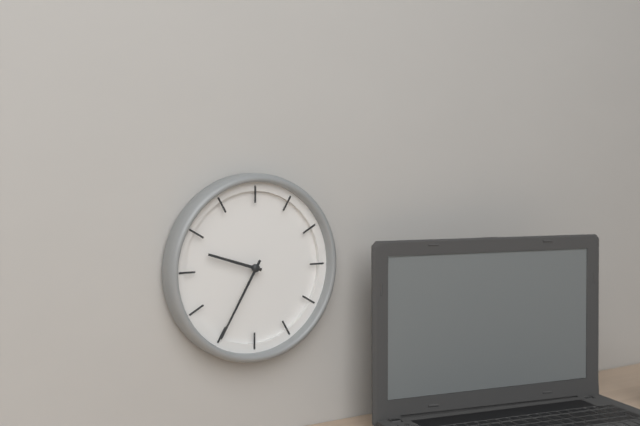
9:35
